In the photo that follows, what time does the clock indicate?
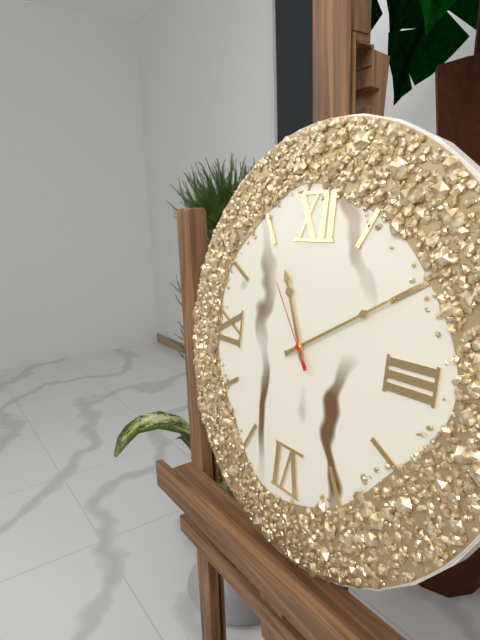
11:10:54
